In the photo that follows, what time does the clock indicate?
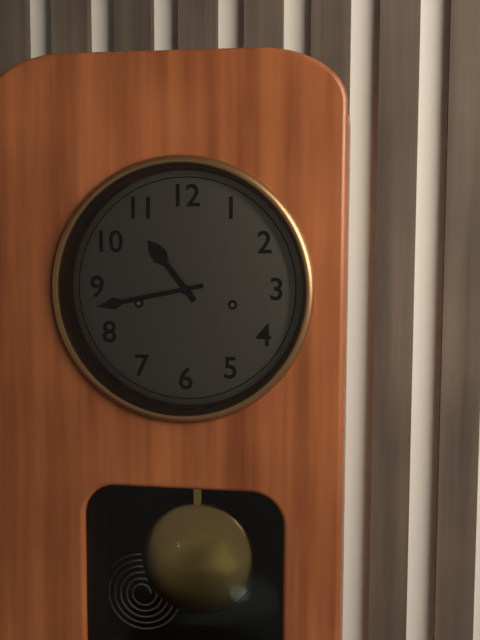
10:43
